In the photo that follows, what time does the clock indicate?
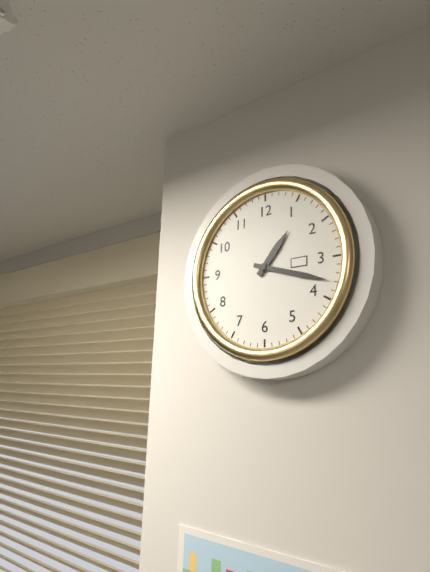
1:18
